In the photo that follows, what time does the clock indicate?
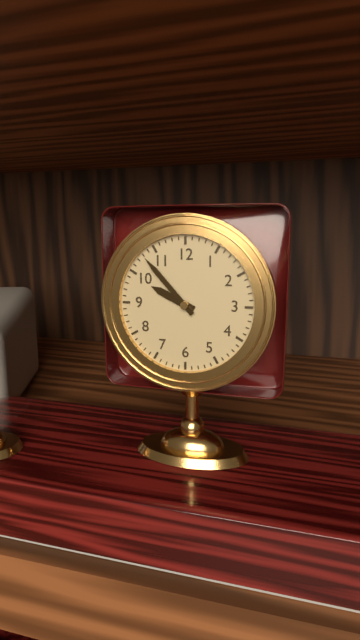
9:53
